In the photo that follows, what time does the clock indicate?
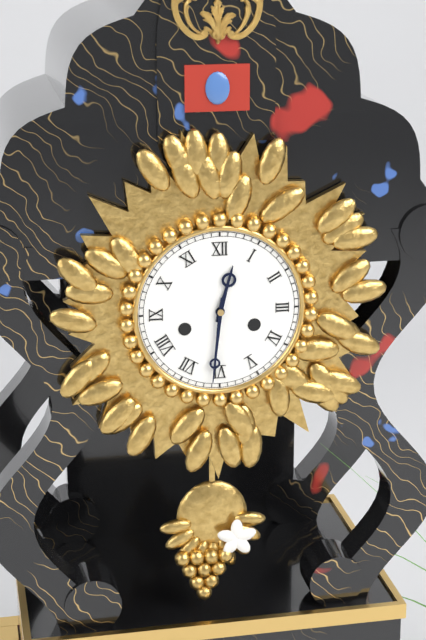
12:31
